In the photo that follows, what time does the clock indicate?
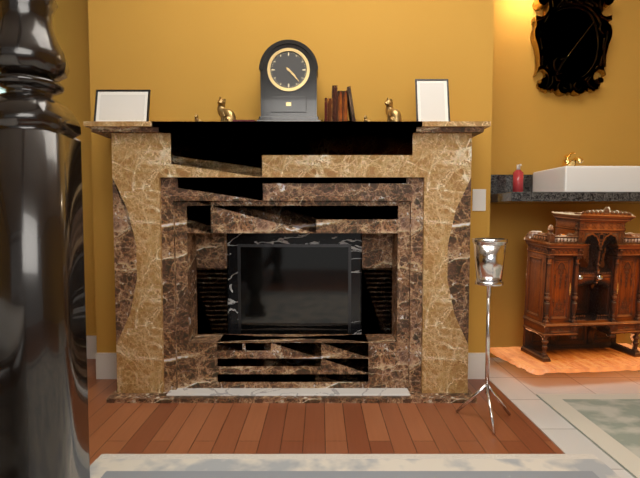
4:23
